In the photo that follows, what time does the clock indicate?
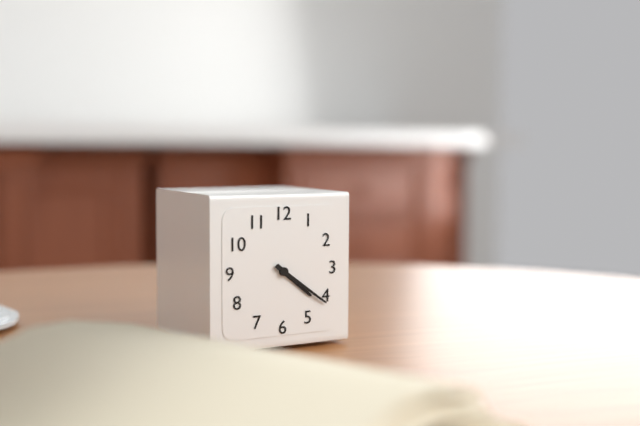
4:21
